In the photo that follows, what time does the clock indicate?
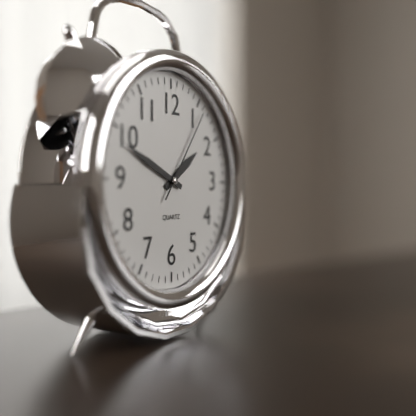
1:49:06
